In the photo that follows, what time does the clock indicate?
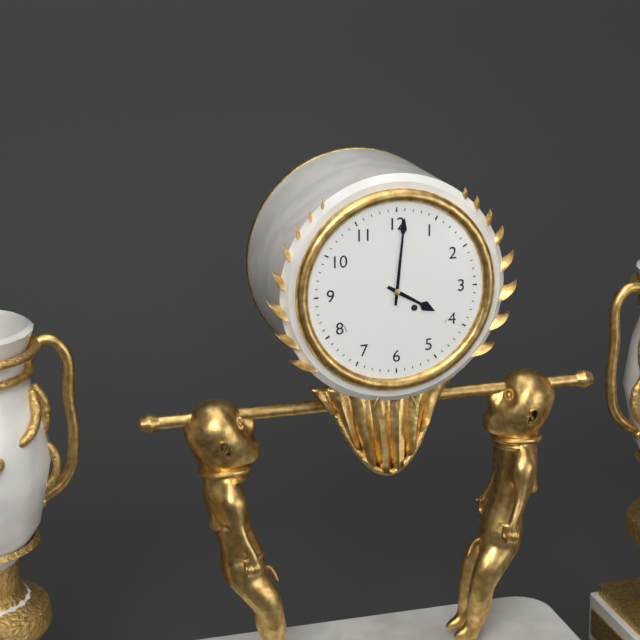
4:01
